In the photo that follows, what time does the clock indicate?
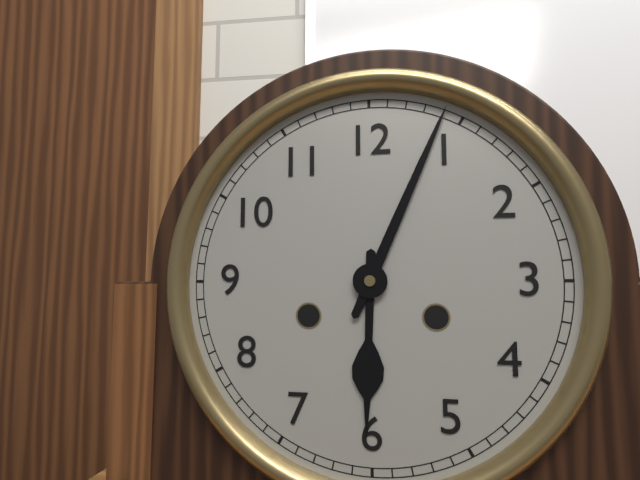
6:04
